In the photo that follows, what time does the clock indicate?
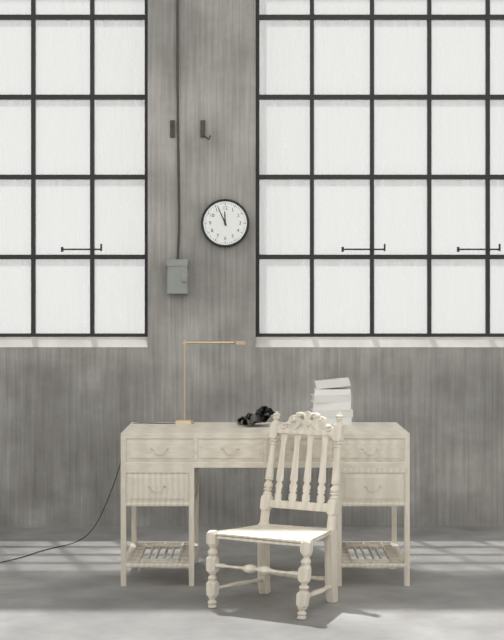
11:56
